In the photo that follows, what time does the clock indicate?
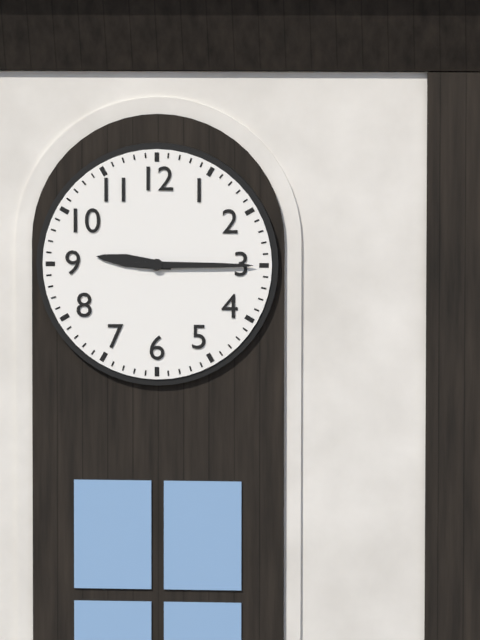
9:15
